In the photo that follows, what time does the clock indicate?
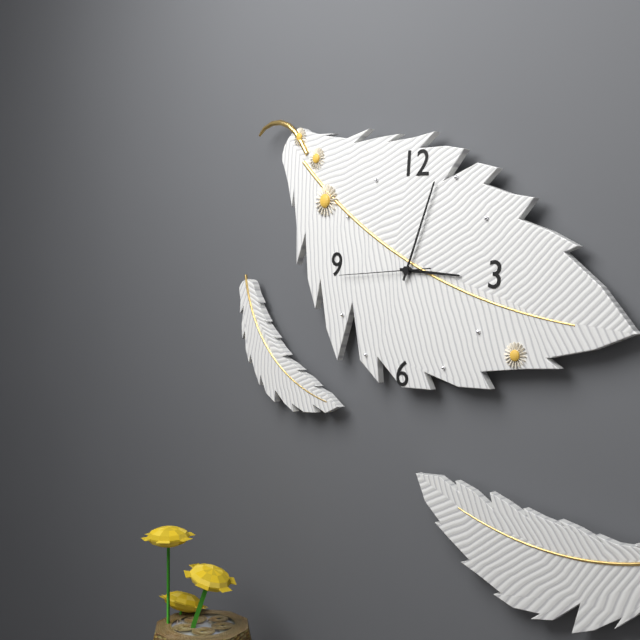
3:03:44
